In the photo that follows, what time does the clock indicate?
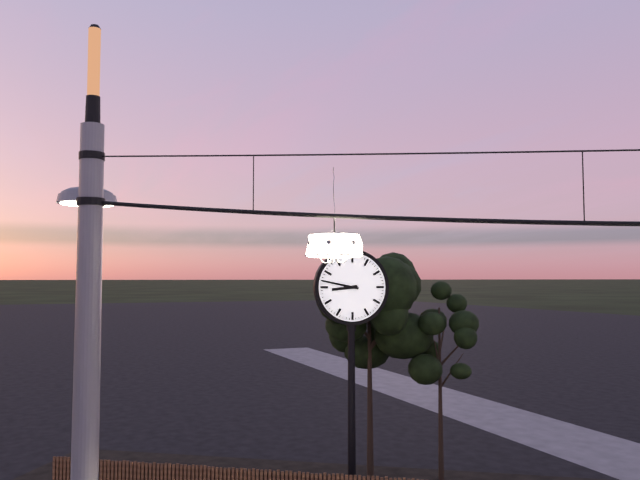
8:47
